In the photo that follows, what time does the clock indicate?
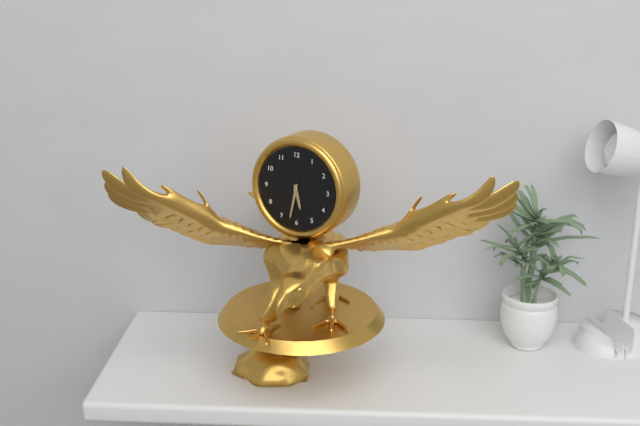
5:32
